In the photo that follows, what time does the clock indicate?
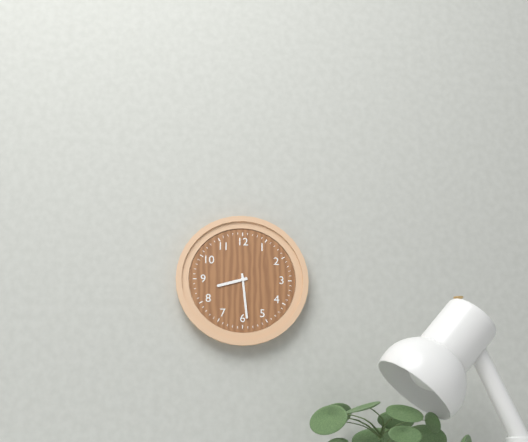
8:29
